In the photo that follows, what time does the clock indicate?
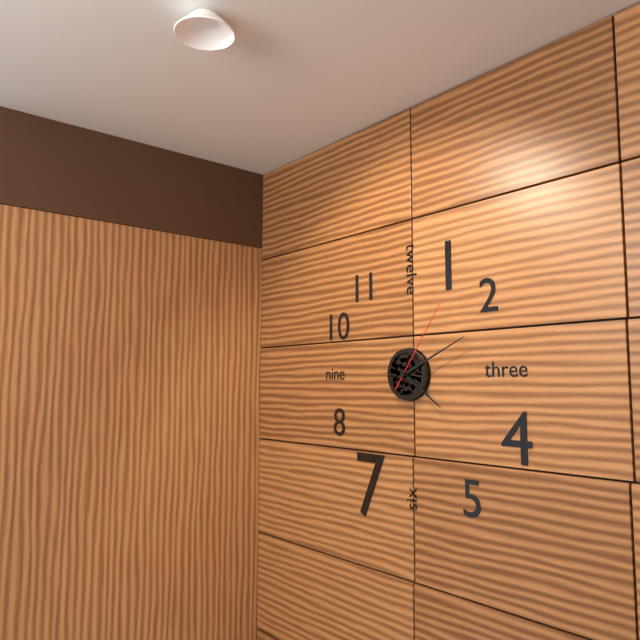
4:11:06
